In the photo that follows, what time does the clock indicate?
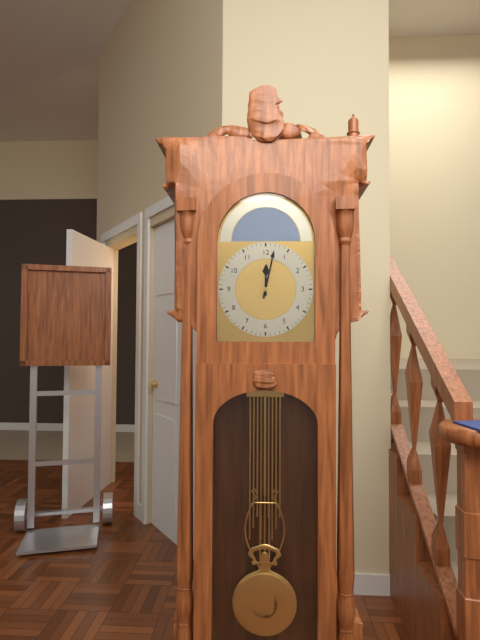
12:02
